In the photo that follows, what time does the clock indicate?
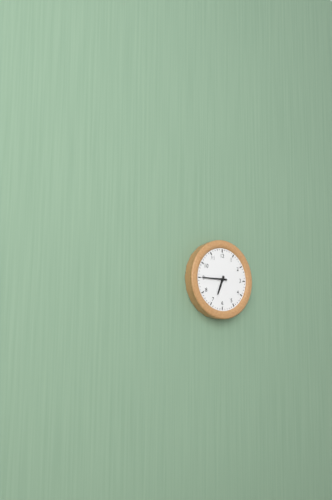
6:45
